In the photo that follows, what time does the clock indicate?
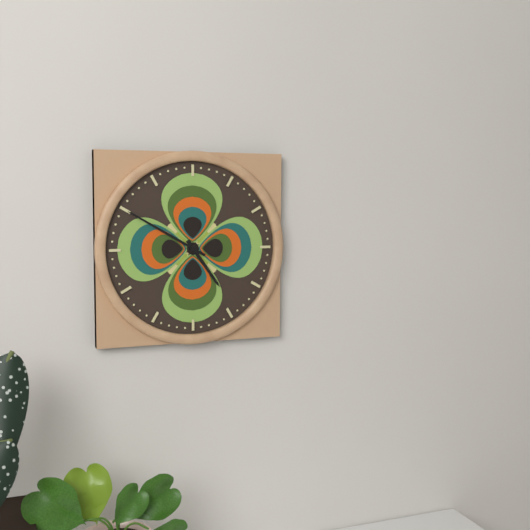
4:50
